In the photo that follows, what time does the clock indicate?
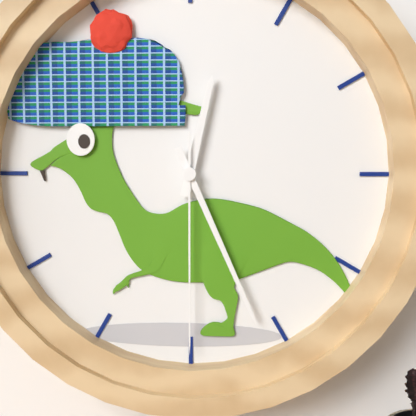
12:26:30
